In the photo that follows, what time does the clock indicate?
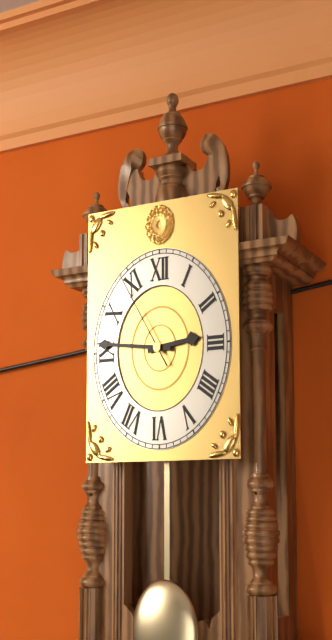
2:46:54
